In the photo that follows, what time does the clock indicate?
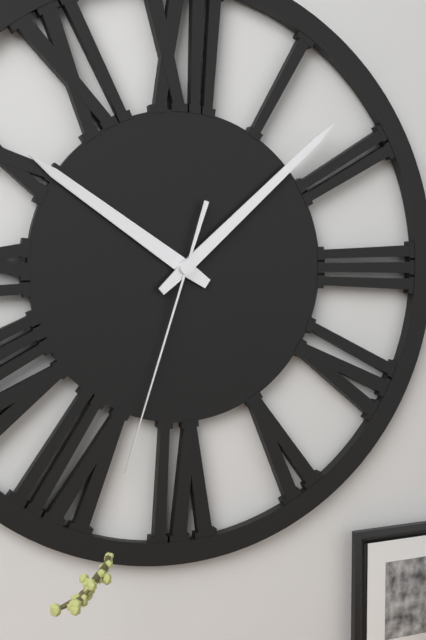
10:08:33
